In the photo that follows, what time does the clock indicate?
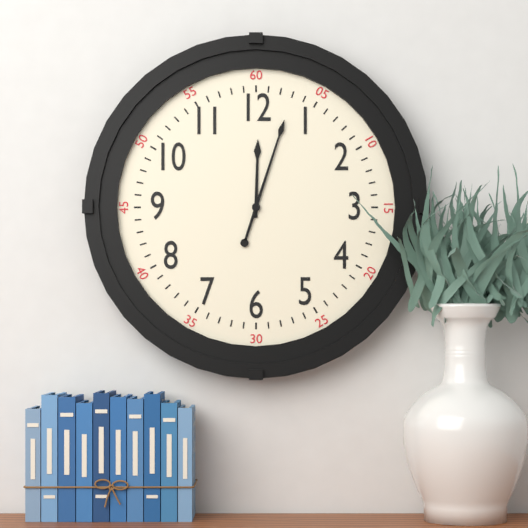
12:03
